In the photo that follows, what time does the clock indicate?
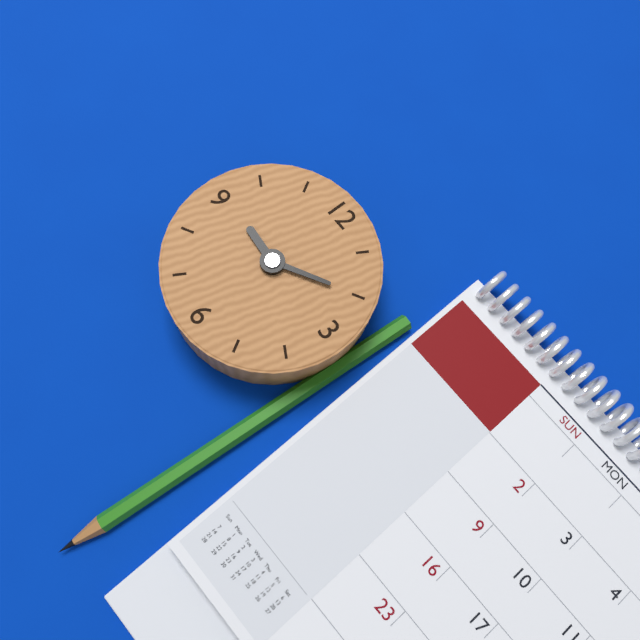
9:10
